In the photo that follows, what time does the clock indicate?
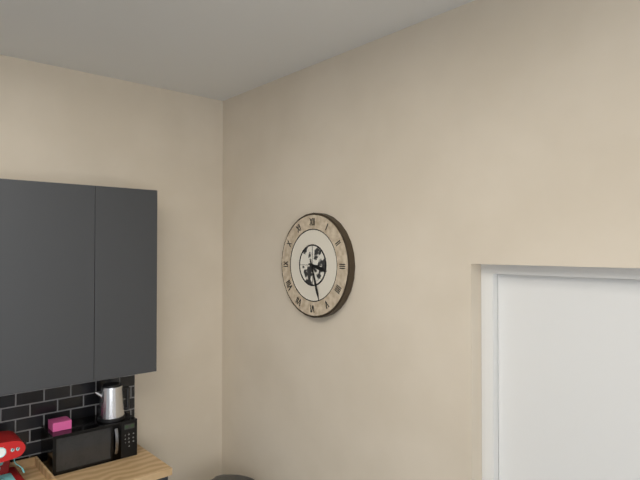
3:27
